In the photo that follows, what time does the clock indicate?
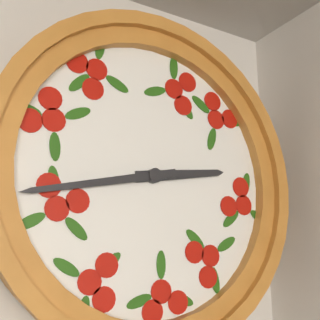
2:43
